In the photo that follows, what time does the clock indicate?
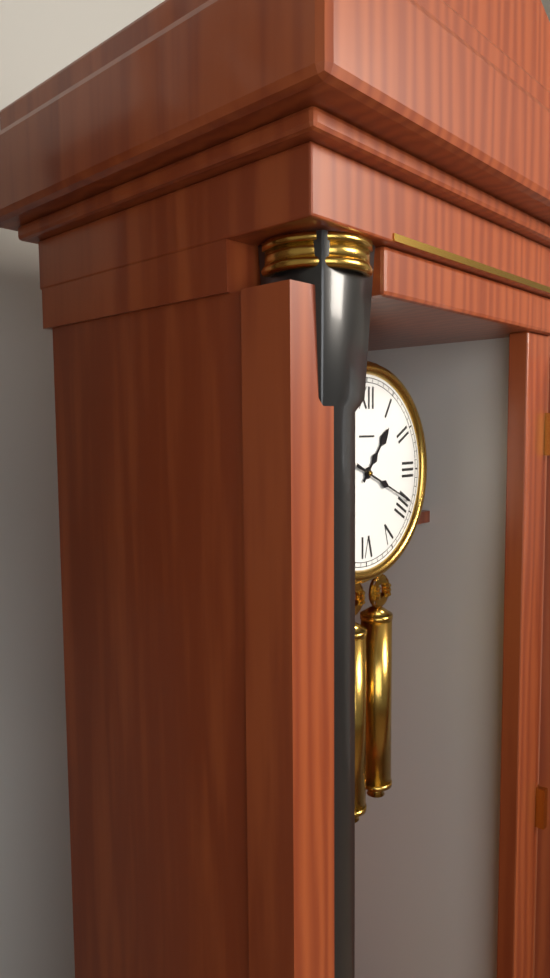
1:19
